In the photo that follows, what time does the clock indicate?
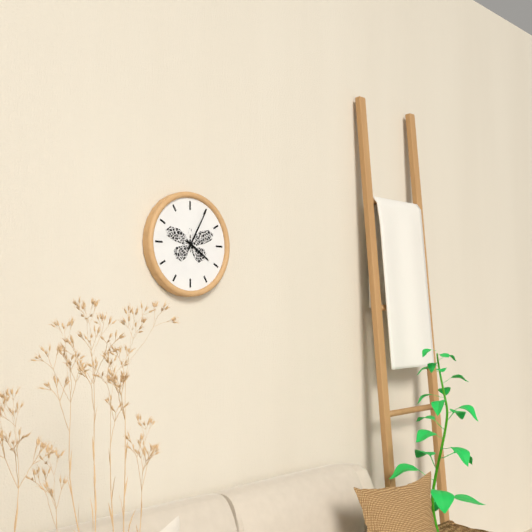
4:05
